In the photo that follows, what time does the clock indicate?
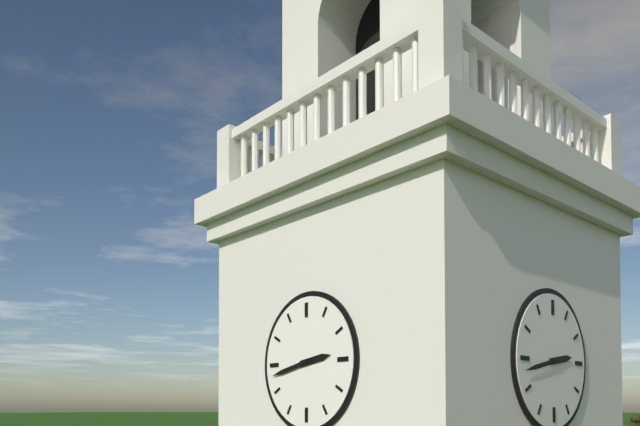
2:43
